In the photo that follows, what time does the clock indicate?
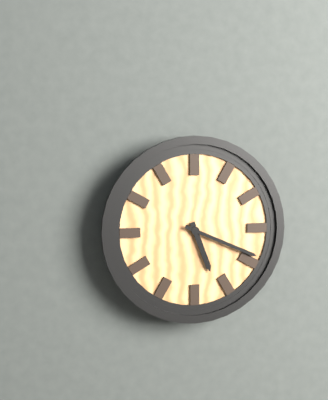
5:19
